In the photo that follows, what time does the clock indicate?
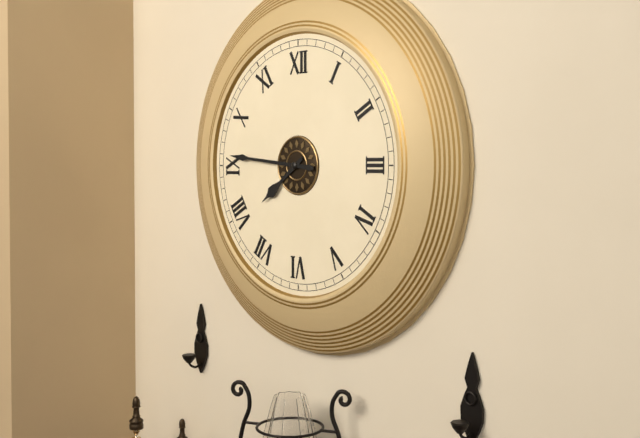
7:46
